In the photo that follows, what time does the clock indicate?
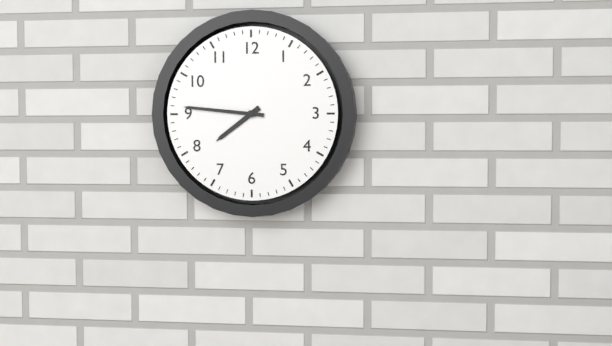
7:46
